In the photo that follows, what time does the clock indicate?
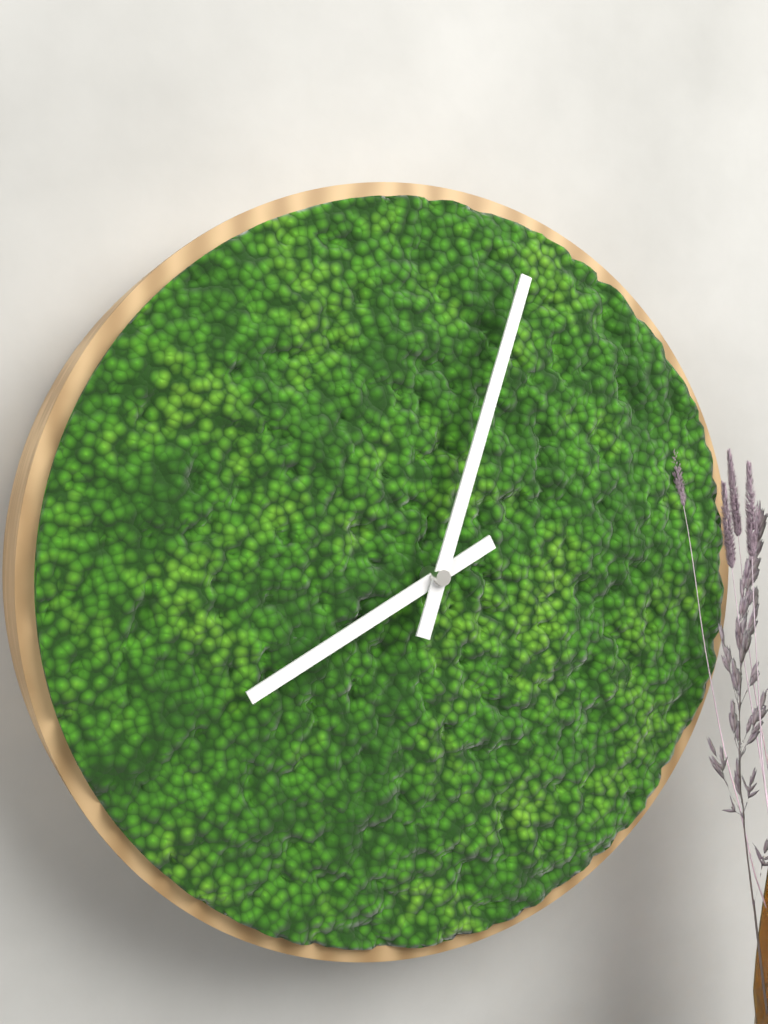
8:03
